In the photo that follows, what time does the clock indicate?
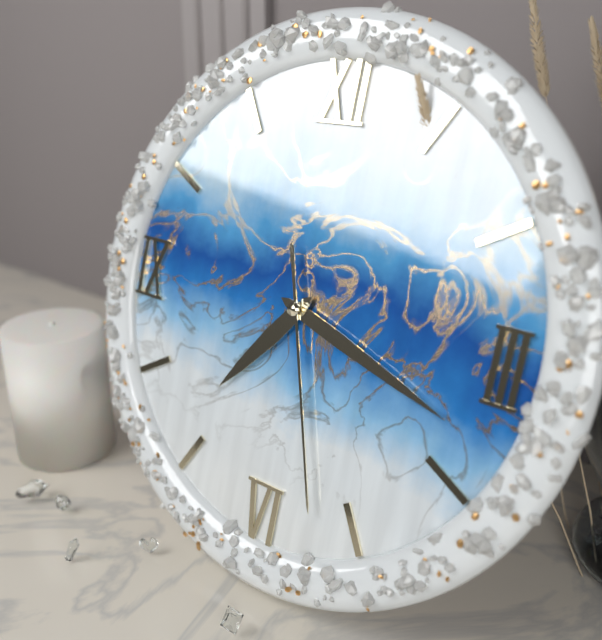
7:18:27
